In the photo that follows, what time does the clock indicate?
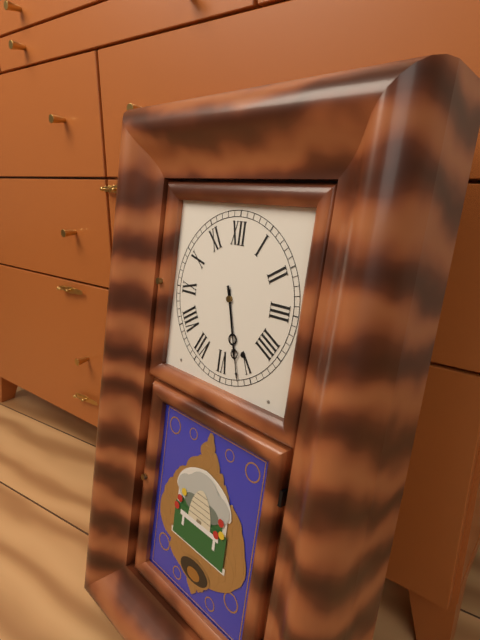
5:27
